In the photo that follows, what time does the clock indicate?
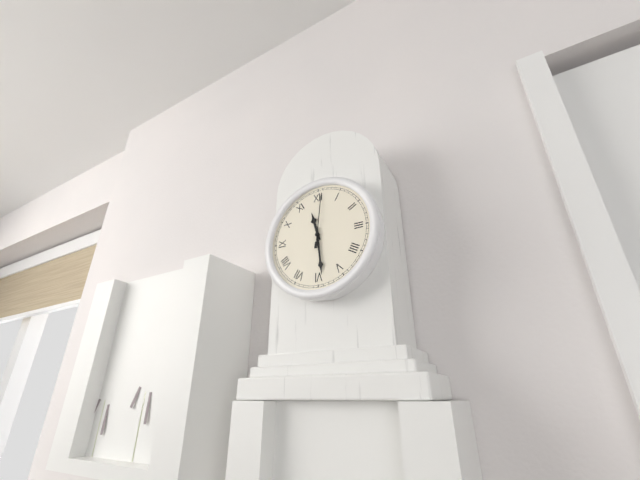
11:29
